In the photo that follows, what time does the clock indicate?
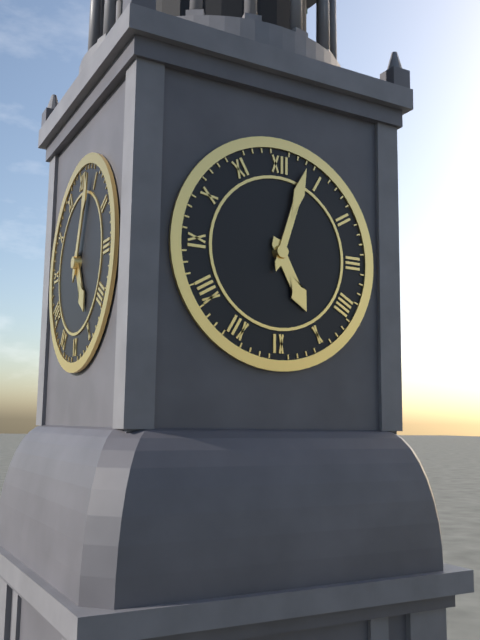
5:03
